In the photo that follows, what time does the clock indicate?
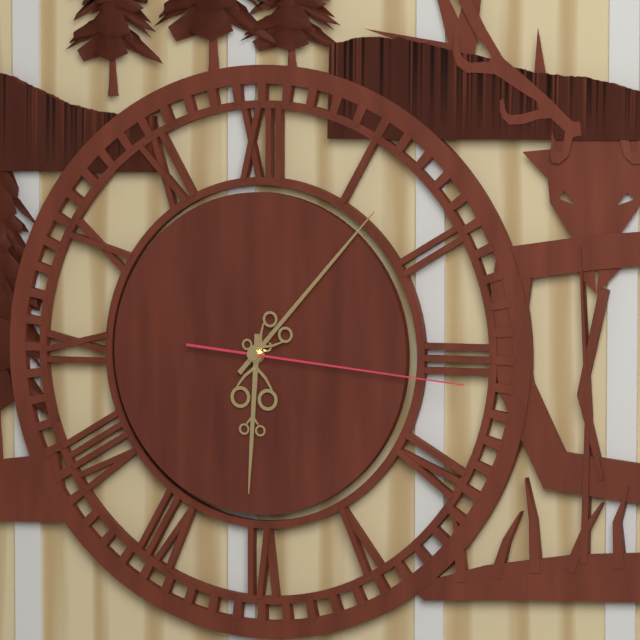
6:07:16
